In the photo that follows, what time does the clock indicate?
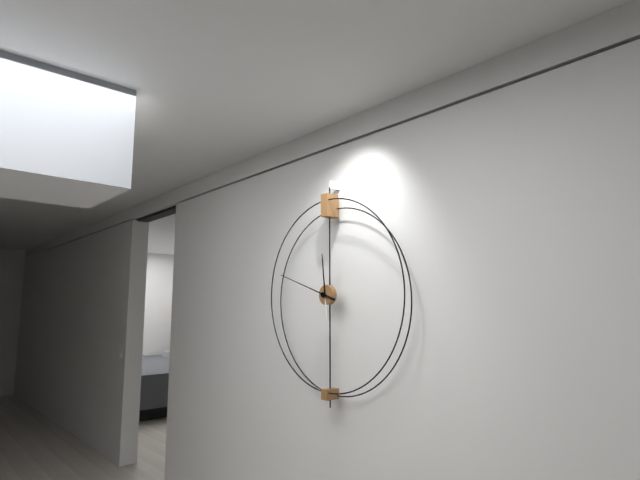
11:48
